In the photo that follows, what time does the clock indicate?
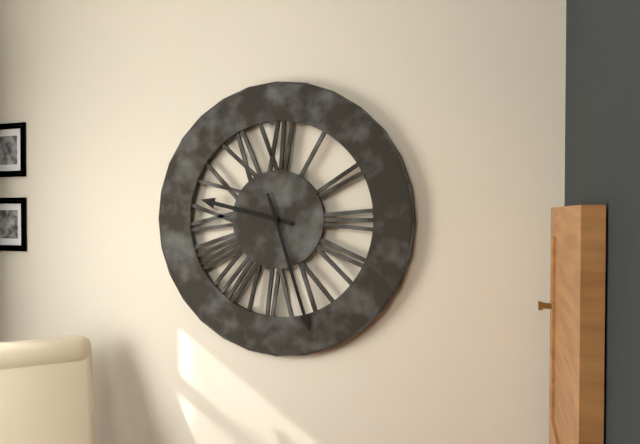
9:27
